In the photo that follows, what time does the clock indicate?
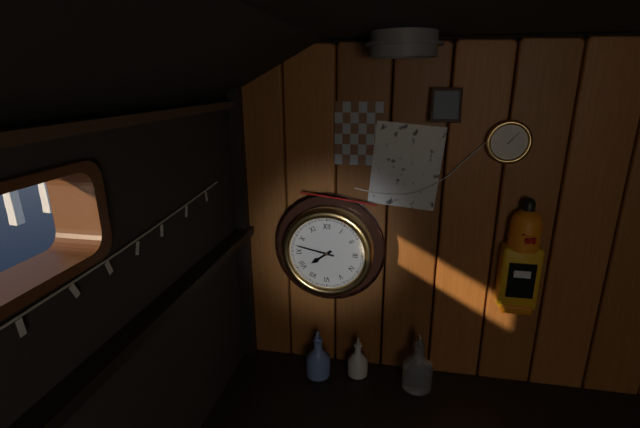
7:47
